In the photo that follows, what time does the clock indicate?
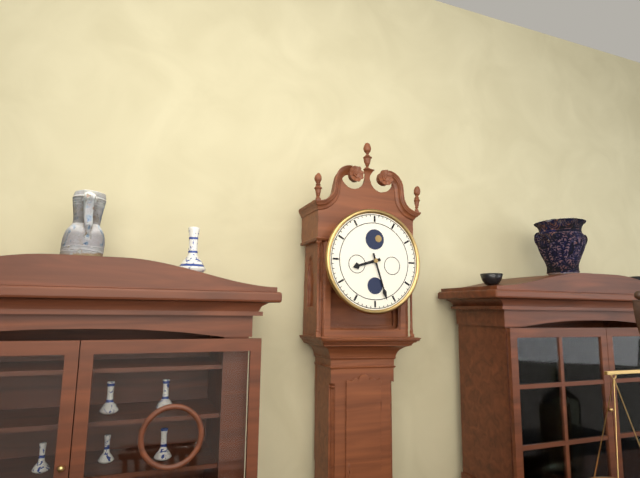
8:27
